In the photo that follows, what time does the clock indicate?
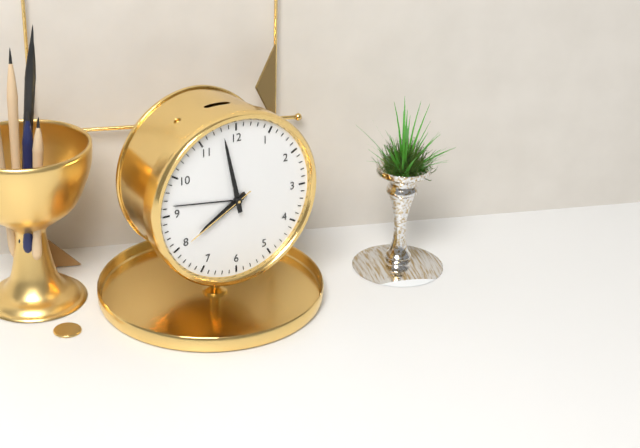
7:58:40
